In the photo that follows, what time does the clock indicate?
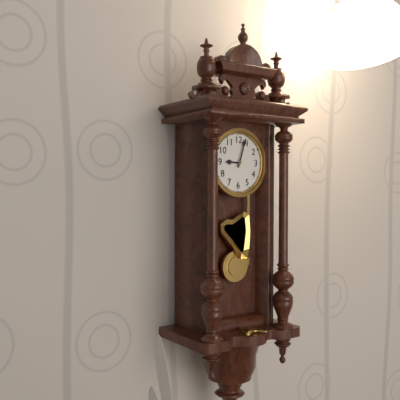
9:03
